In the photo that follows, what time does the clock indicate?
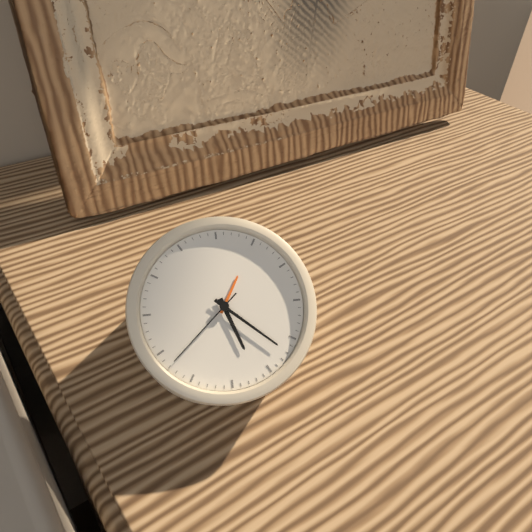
5:22:38
